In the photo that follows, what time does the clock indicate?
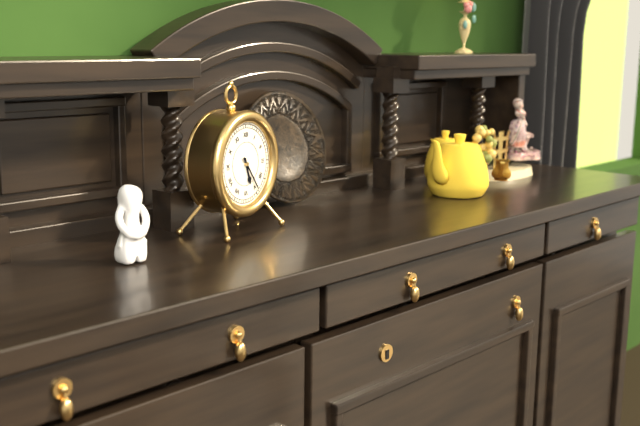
5:24
